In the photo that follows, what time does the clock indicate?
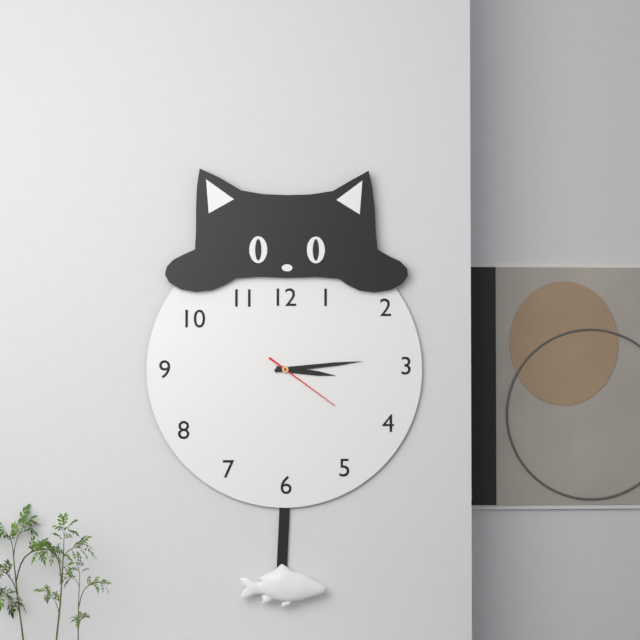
3:14:21
